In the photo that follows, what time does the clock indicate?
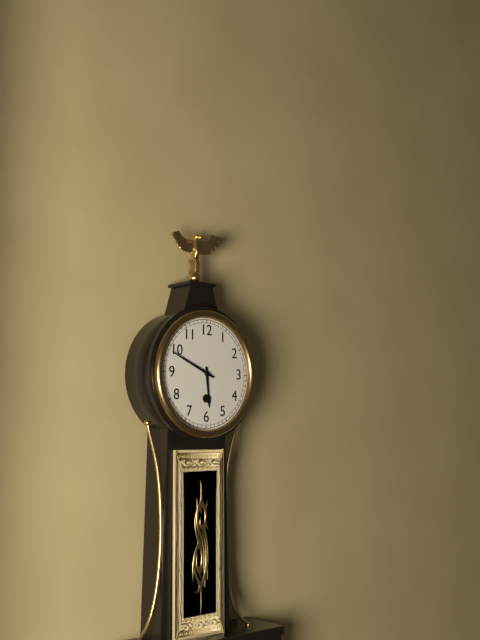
5:49
